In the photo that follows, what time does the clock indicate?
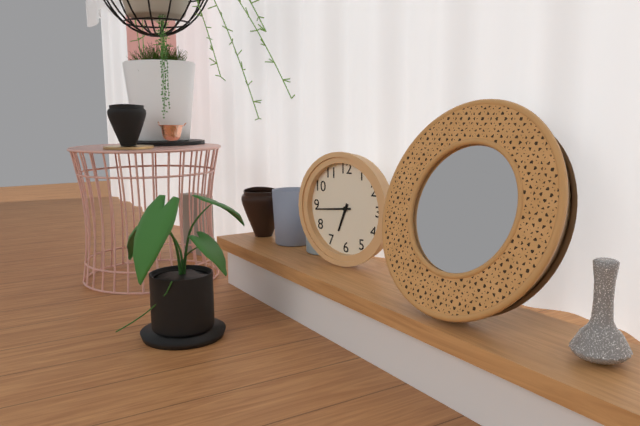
6:44
